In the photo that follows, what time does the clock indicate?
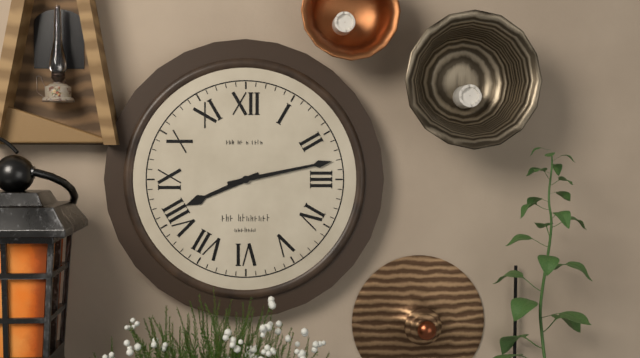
8:13
